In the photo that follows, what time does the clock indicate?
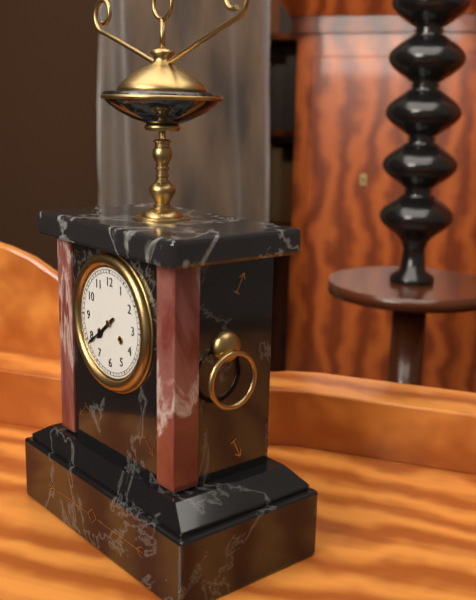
7:39
